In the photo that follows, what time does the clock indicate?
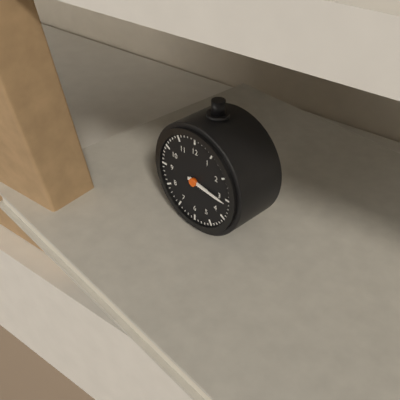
3:16
